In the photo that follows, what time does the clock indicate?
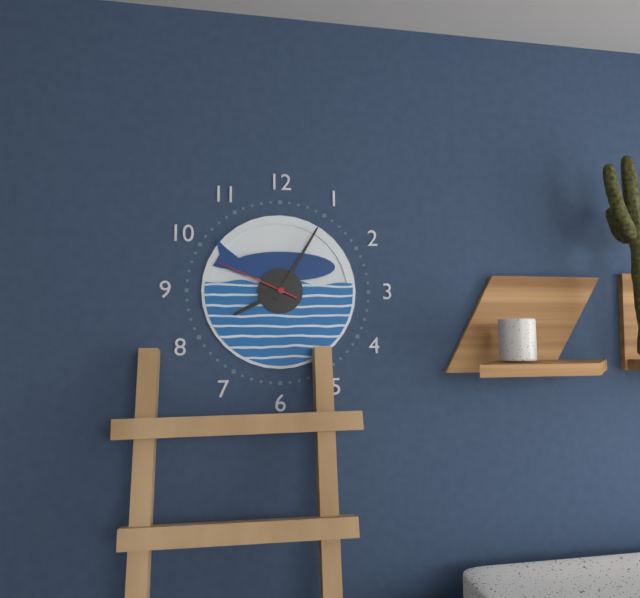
8:05:49
